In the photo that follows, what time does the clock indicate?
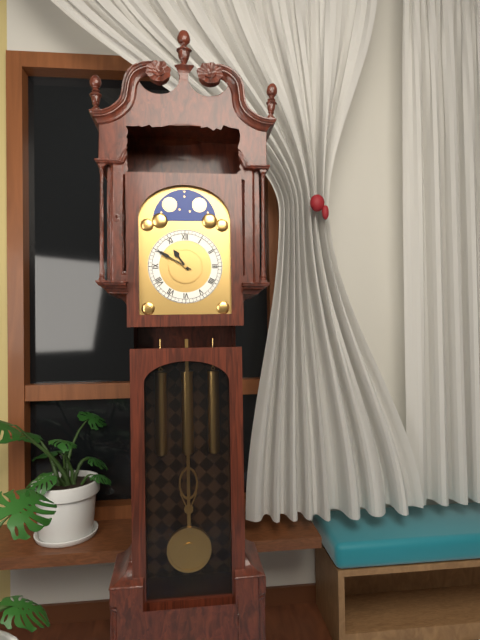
10:50
